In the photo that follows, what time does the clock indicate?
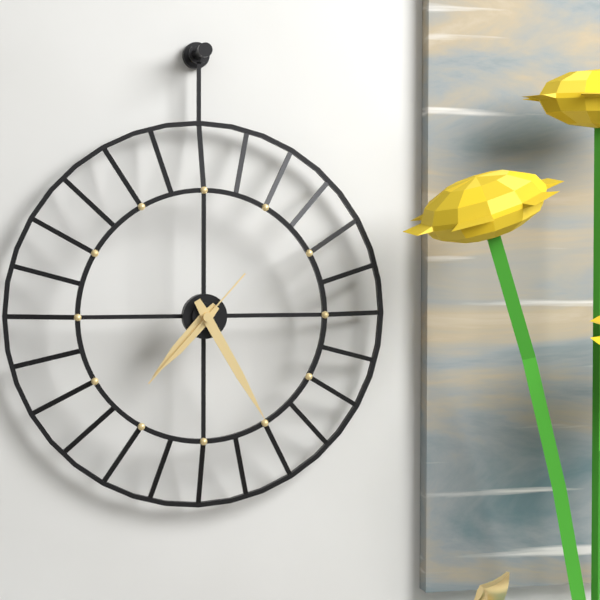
7:25:37
